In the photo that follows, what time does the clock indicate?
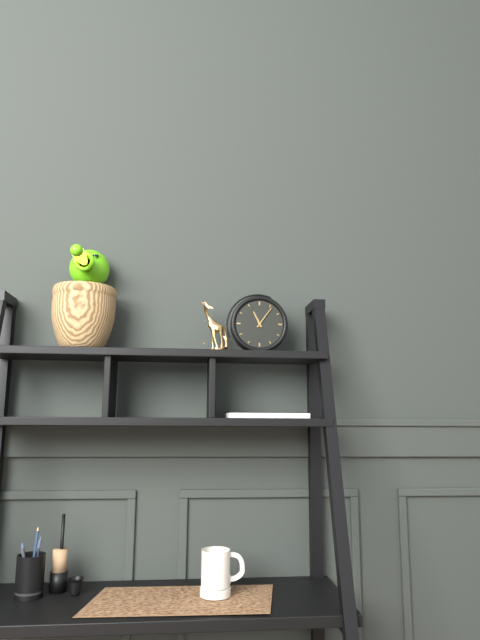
11:06
